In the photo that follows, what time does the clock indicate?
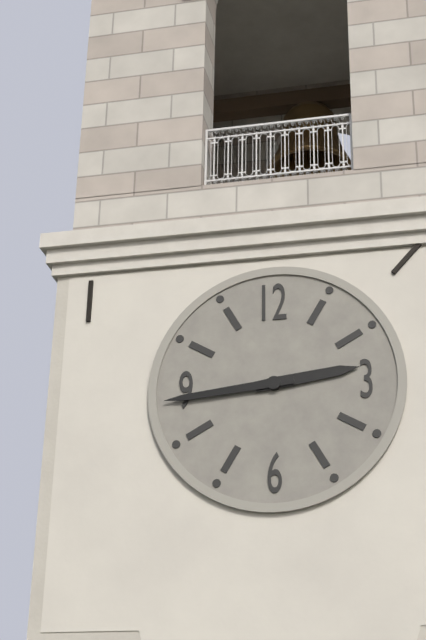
2:44
